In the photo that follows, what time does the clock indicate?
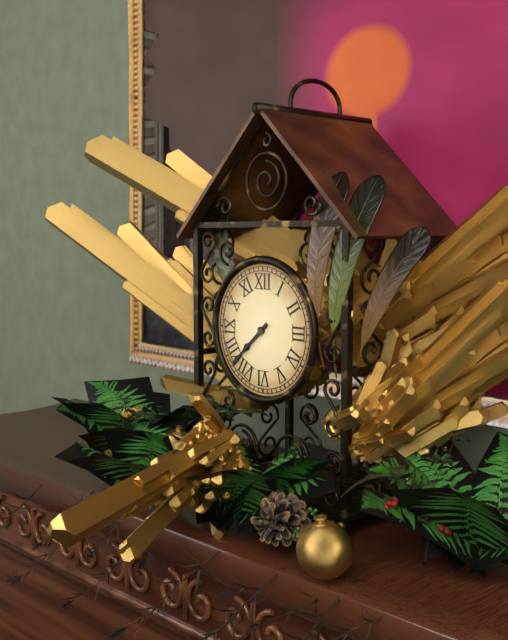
7:38
